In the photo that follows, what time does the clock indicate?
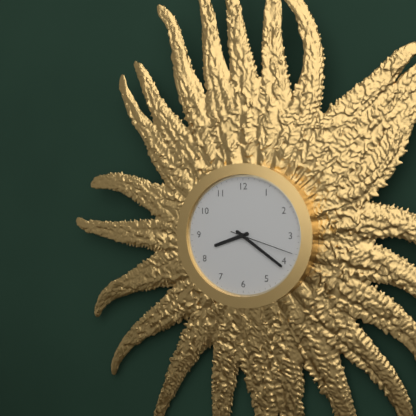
8:21:18
